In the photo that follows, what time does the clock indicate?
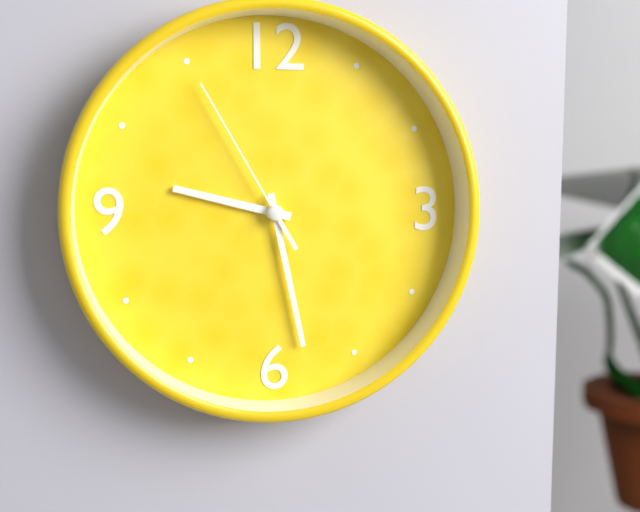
9:28:55
